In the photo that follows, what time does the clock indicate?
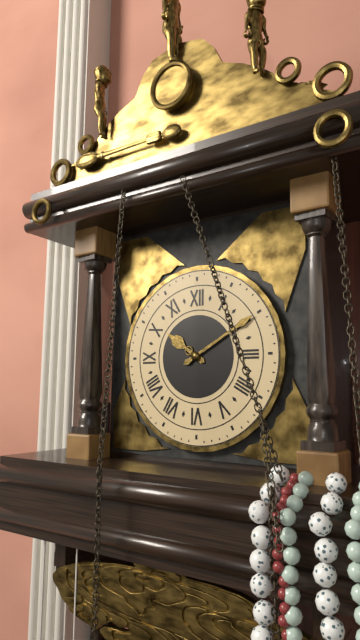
10:10
